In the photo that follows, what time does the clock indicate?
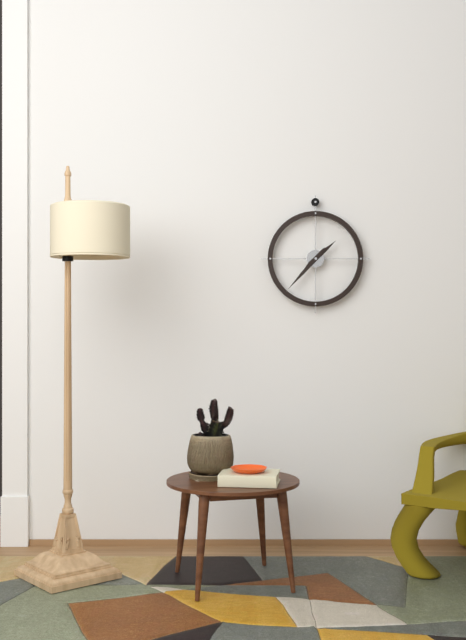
1:37
